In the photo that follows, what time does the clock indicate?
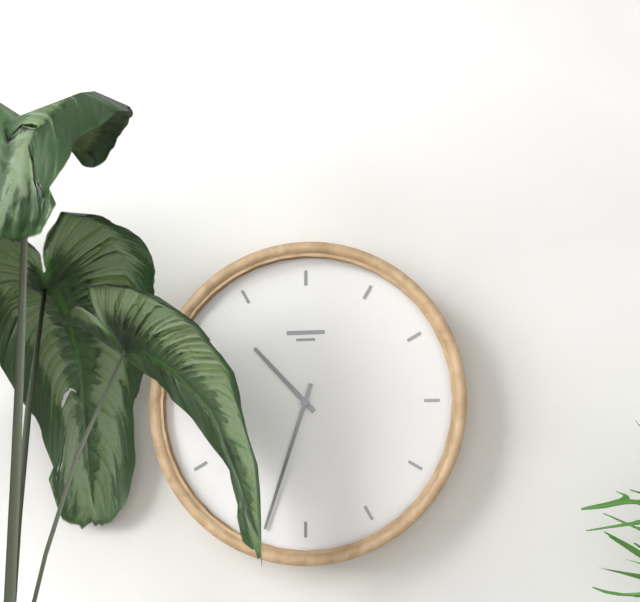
10:33
